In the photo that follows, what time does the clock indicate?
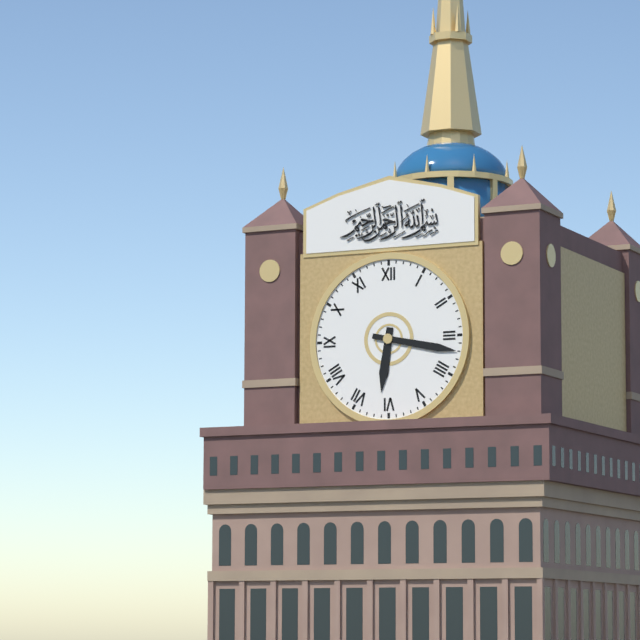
6:17
